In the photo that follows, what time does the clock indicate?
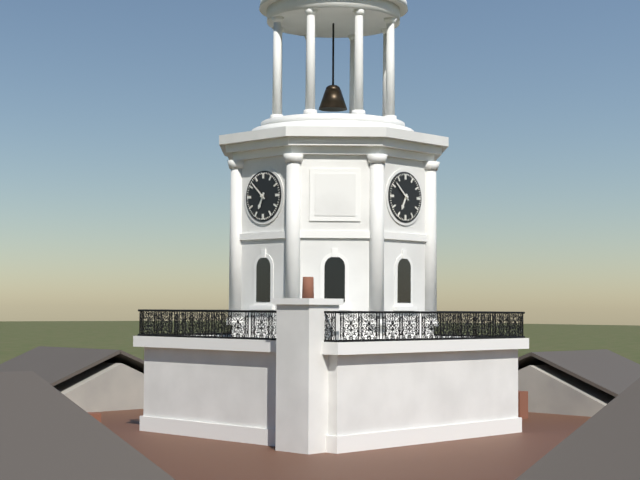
6:52
